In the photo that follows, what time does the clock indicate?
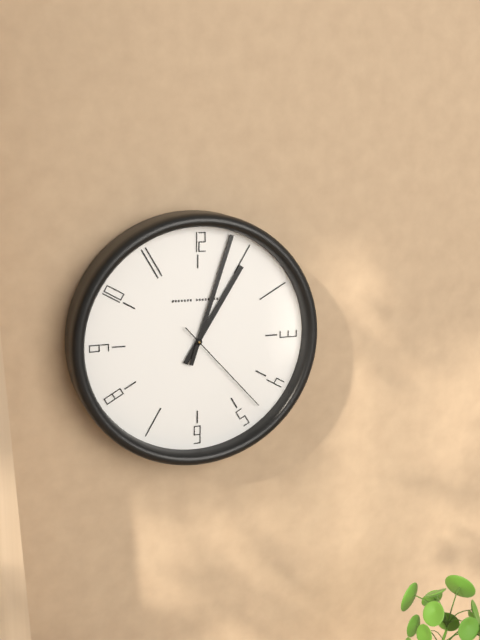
1:03:23
